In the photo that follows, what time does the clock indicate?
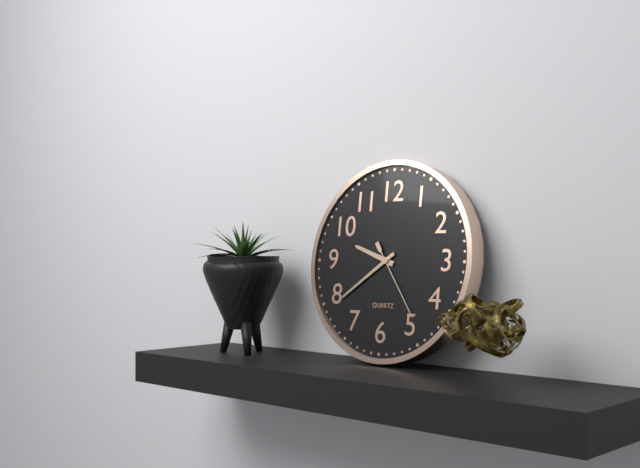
9:39:24
